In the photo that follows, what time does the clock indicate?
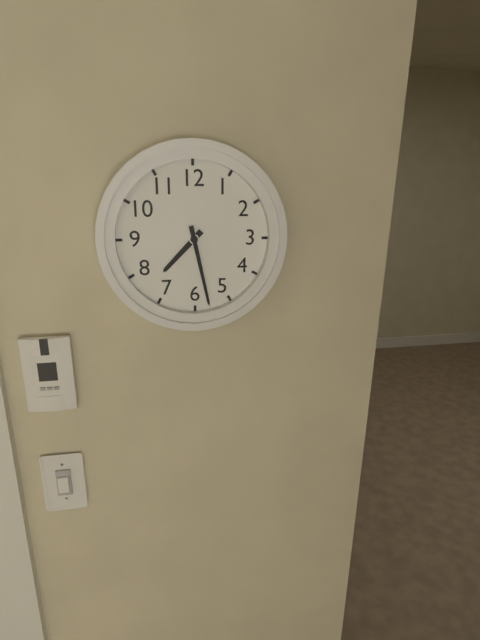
7:28
